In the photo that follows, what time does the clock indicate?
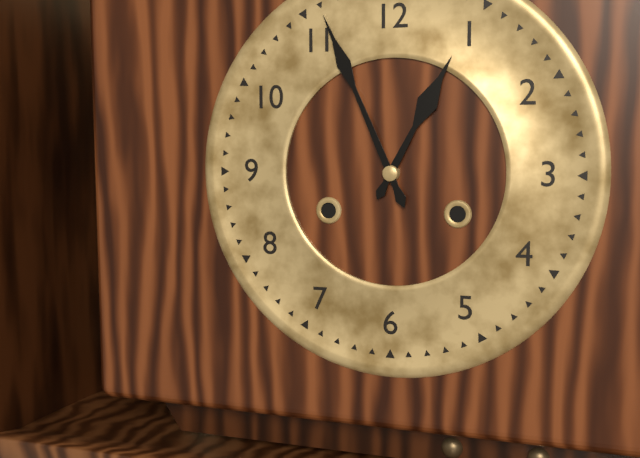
12:56
